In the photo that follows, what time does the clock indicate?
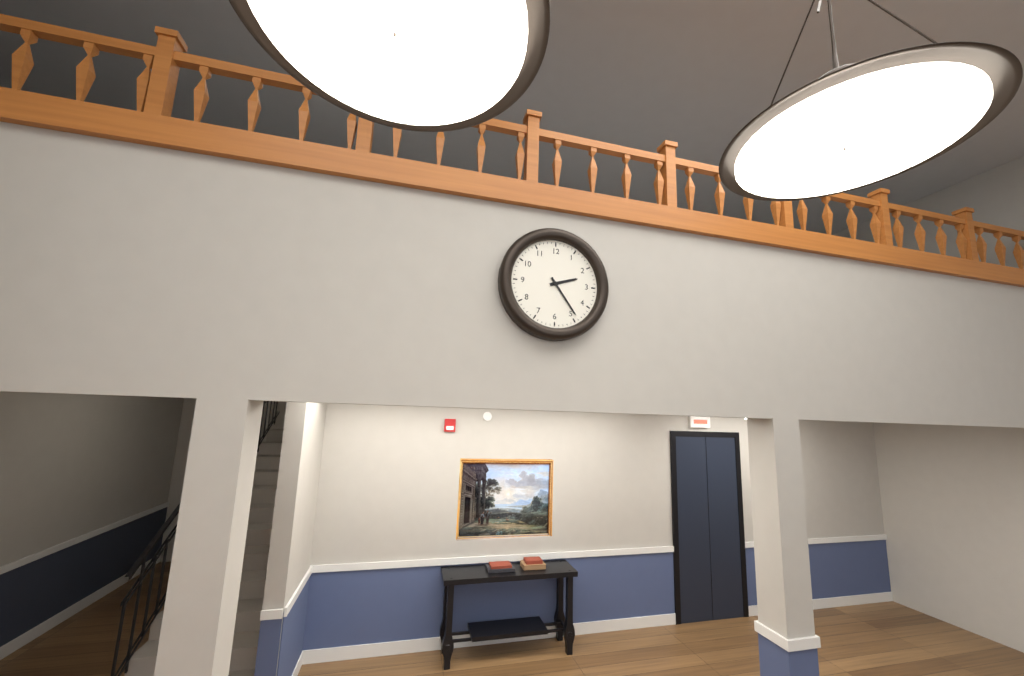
2:24
